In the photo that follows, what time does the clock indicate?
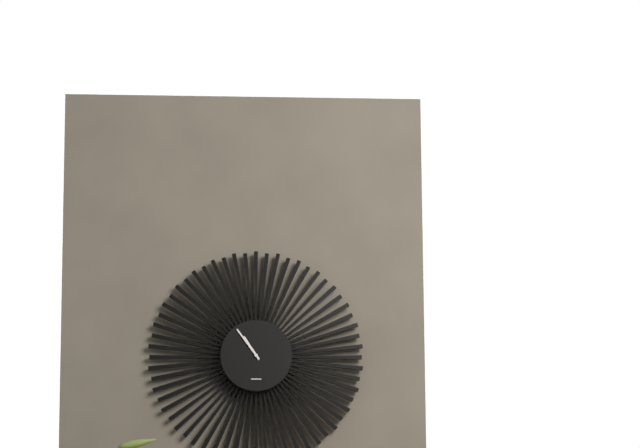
10:54
